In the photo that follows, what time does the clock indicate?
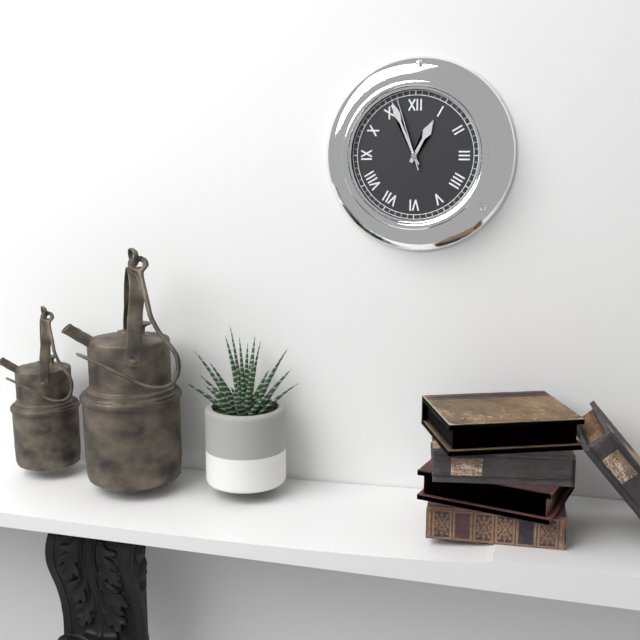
12:56:57
